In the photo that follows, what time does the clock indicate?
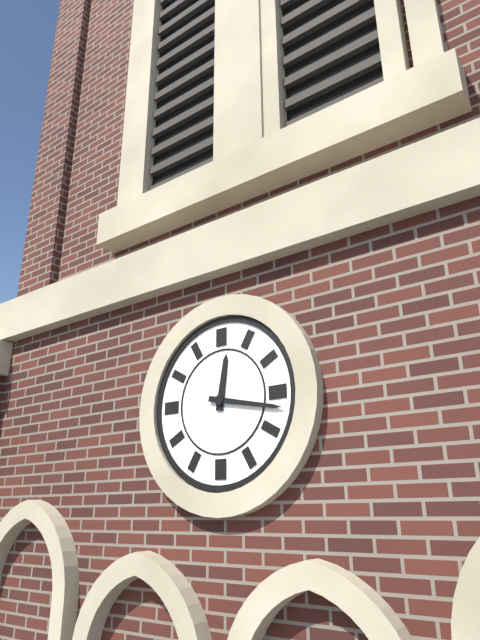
12:17
